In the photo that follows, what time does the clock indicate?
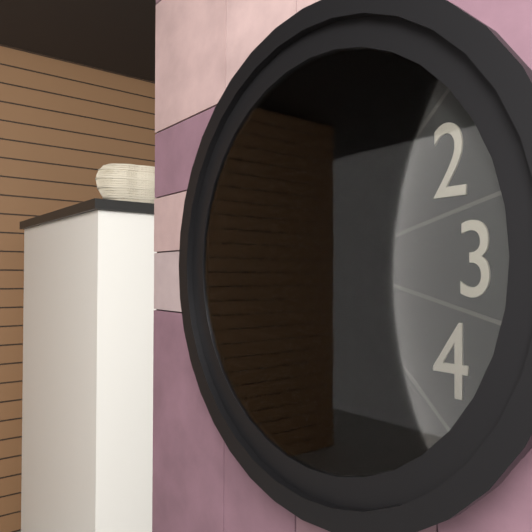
8:42
